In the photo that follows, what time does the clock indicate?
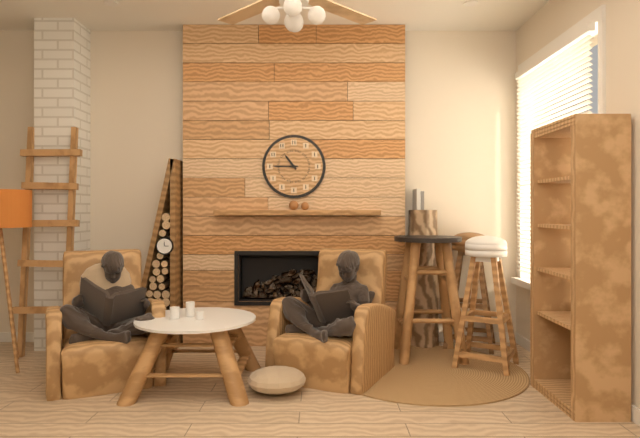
10:45
